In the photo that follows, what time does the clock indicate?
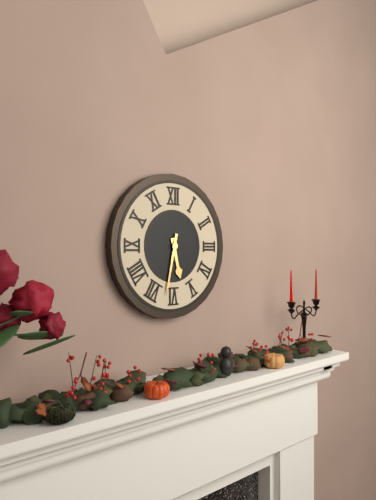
5:32
